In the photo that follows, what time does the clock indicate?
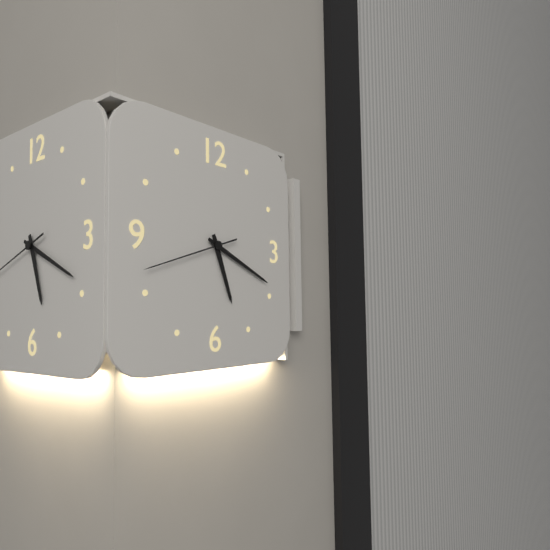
5:19:42
